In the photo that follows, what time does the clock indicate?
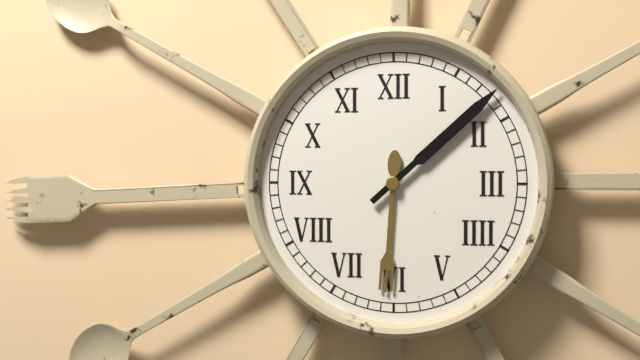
6:08
